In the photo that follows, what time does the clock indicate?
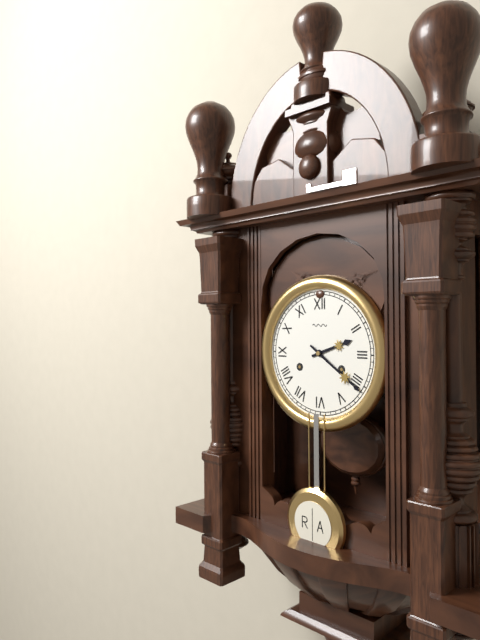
2:21
